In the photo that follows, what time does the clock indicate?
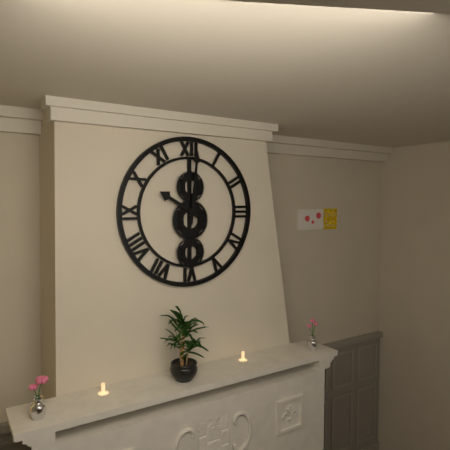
10:01
